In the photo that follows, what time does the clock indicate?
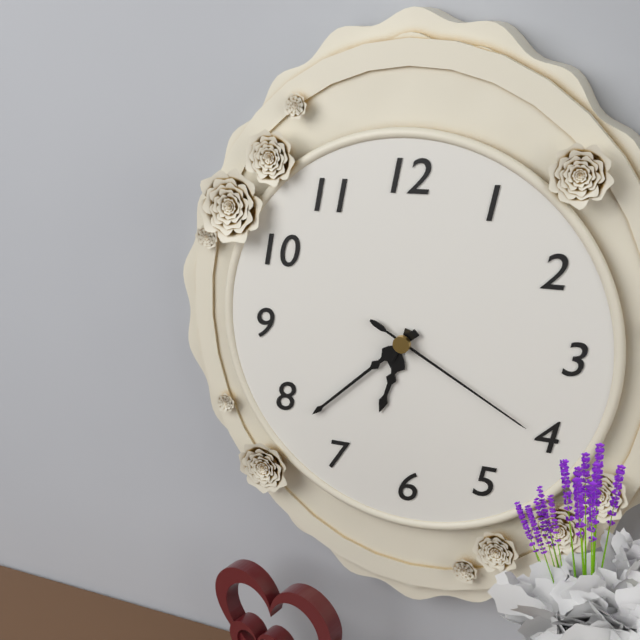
6:38:20
